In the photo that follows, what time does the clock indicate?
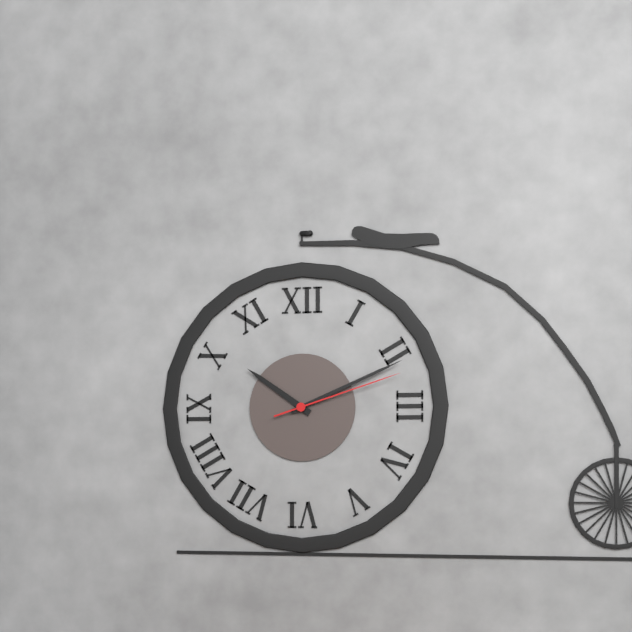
10:11:12
